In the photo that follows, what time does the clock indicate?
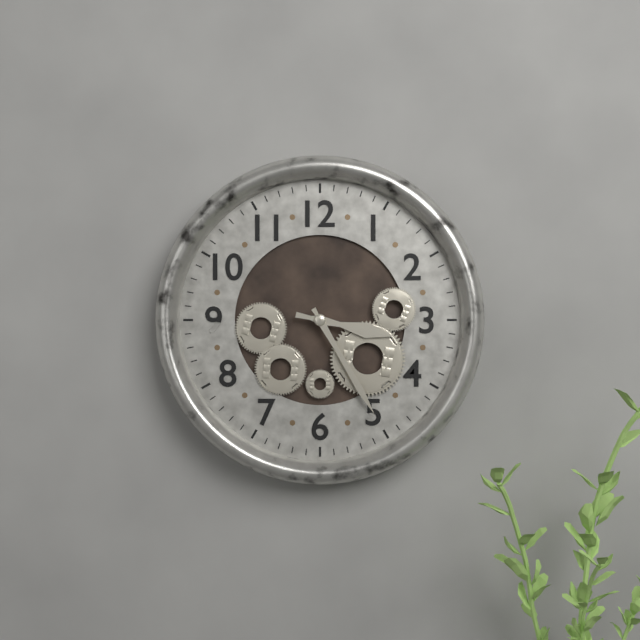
3:25
